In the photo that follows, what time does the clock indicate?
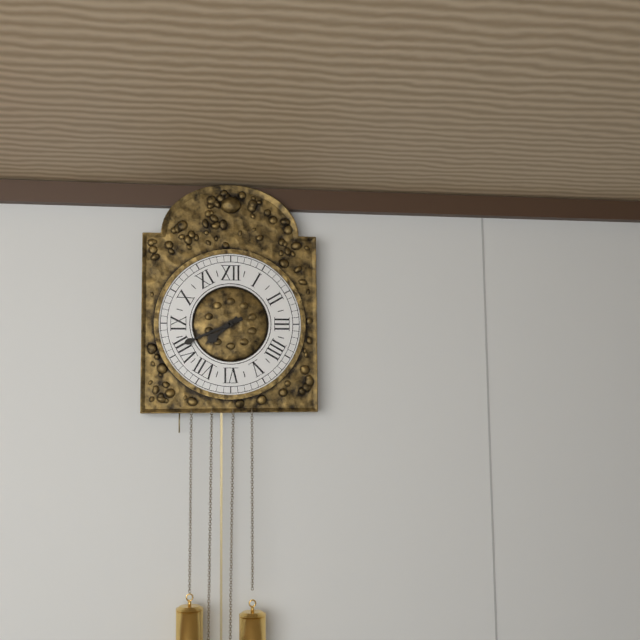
7:41
